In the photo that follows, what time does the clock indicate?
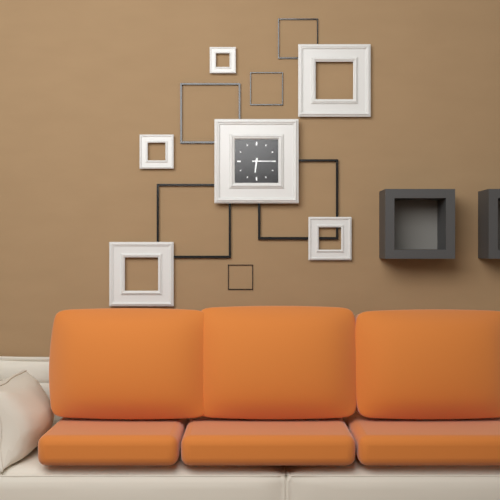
6:15
